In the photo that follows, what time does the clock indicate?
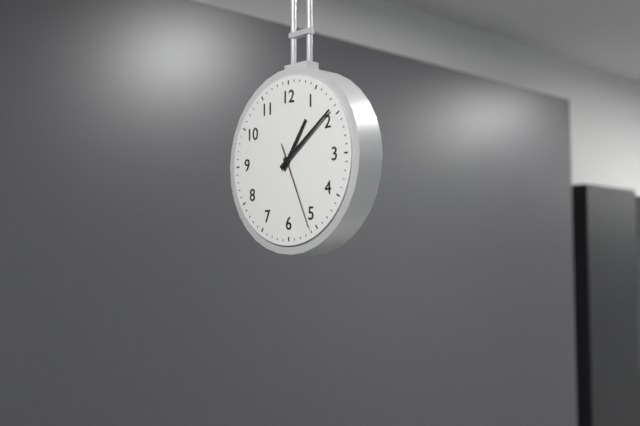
1:09:26
